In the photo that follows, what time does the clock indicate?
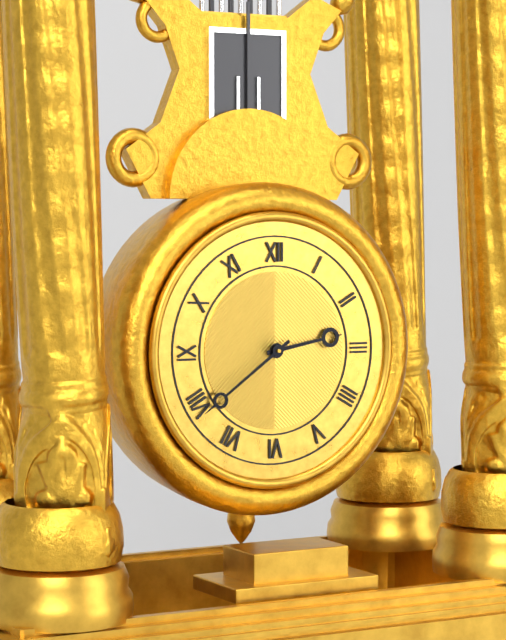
2:39
